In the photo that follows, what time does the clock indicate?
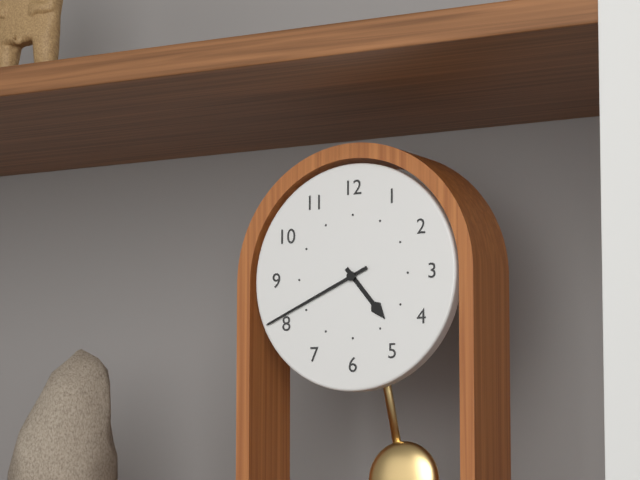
4:41
